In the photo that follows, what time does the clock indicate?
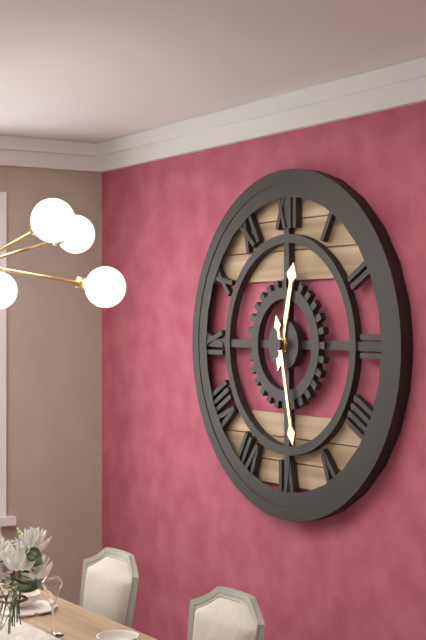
12:28
